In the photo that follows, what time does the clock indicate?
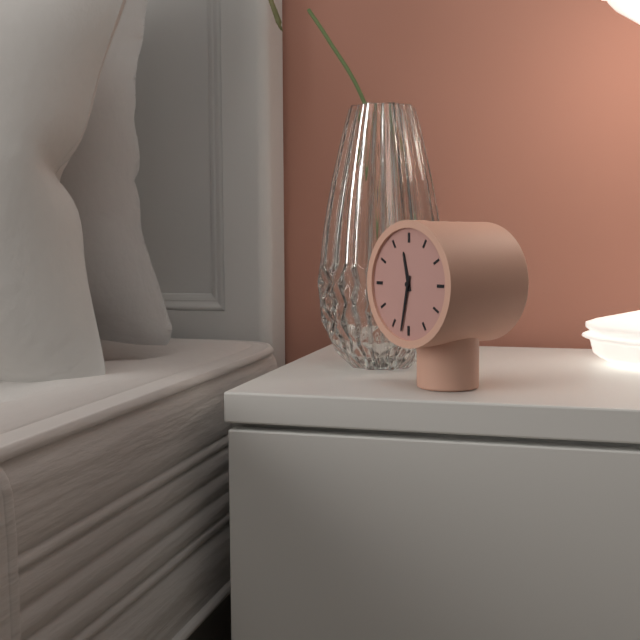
11:32
